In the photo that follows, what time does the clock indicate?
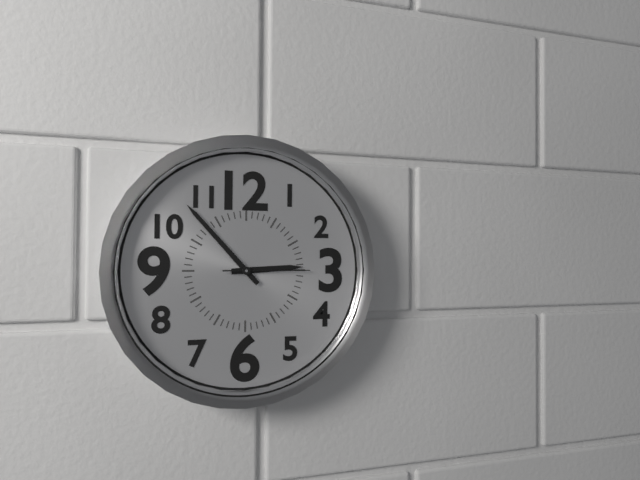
2:53:15
